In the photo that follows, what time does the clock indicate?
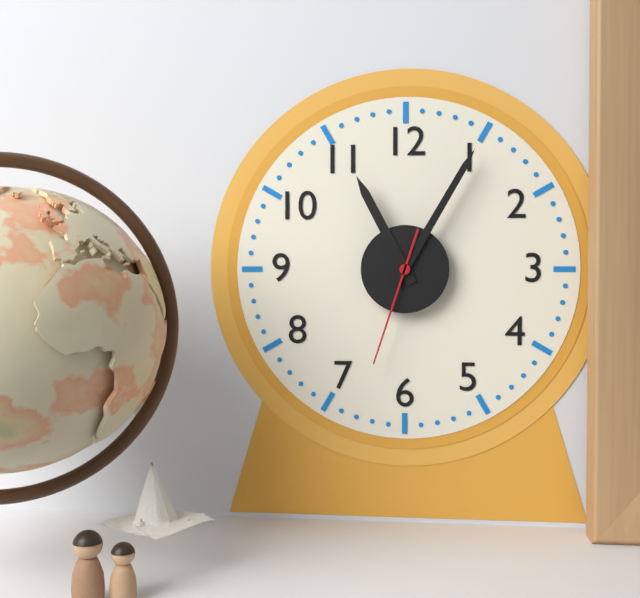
11:05:33
